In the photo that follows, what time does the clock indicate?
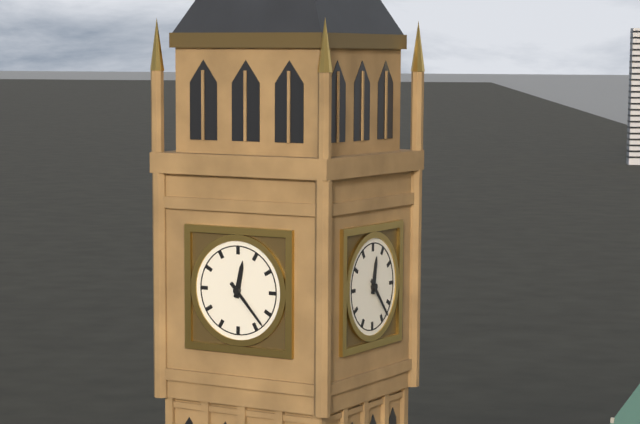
12:23
